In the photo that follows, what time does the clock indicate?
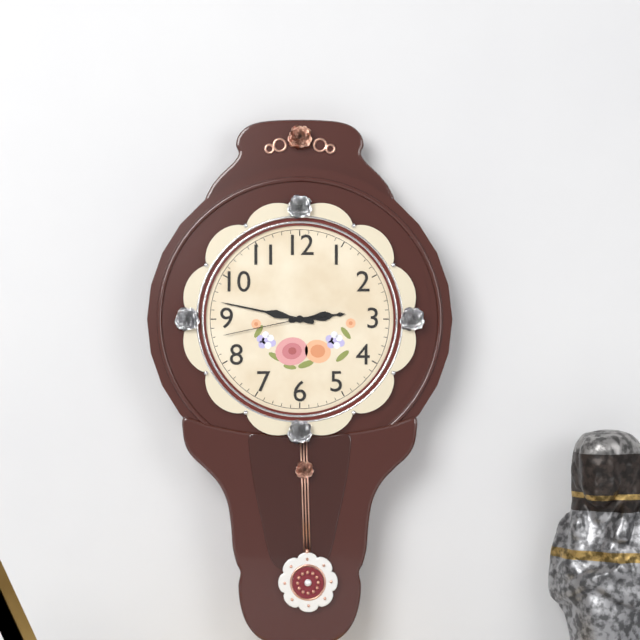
2:47:43
